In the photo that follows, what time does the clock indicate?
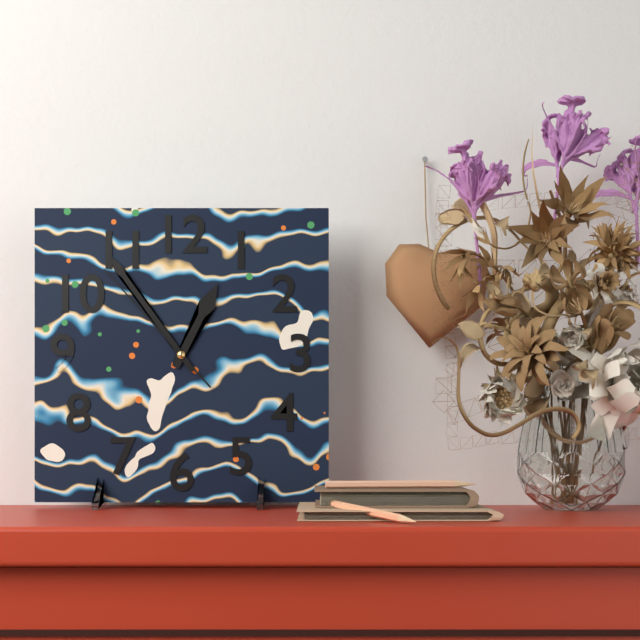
12:54:53
